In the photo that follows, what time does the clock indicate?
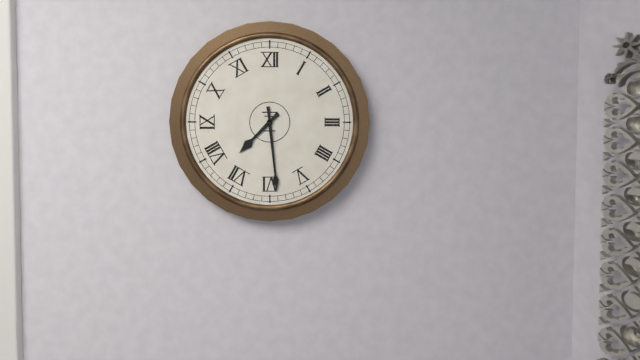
7:29
